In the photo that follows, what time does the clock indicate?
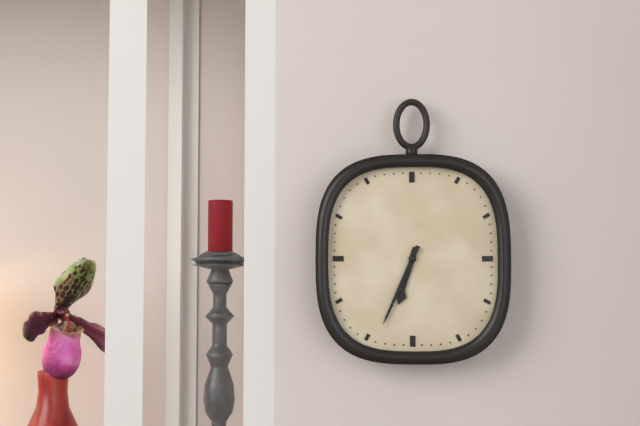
6:34
